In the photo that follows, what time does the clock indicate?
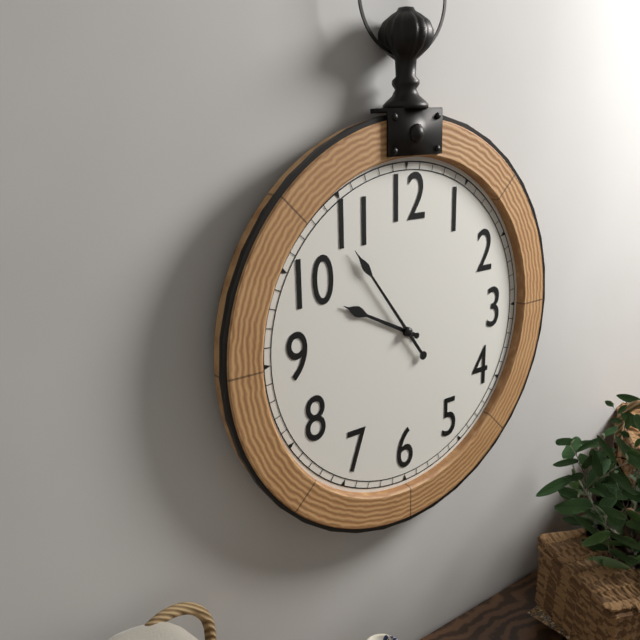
9:54
